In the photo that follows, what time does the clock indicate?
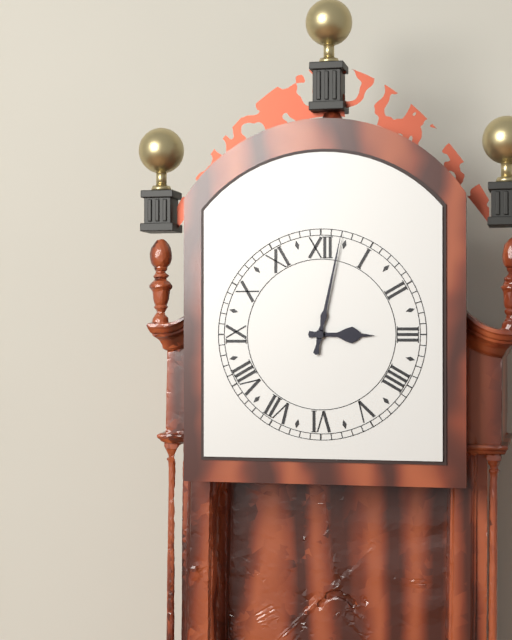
3:02
